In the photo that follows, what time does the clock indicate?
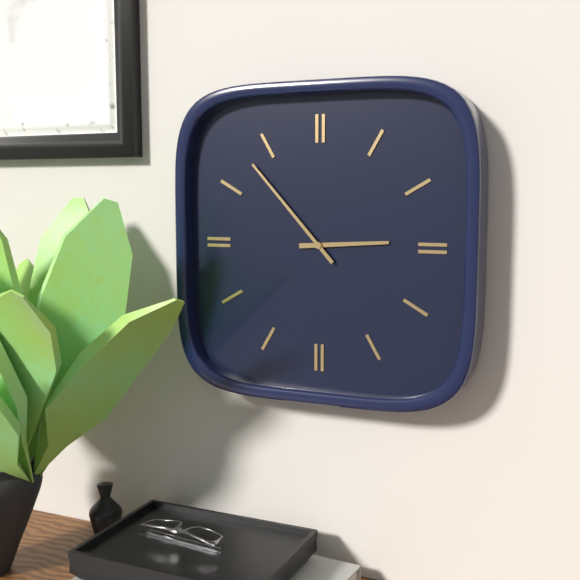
2:53
